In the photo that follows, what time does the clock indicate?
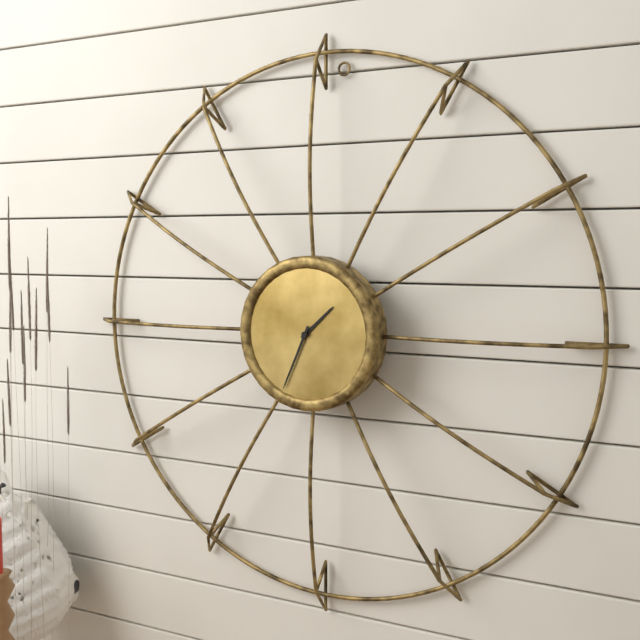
1:34
